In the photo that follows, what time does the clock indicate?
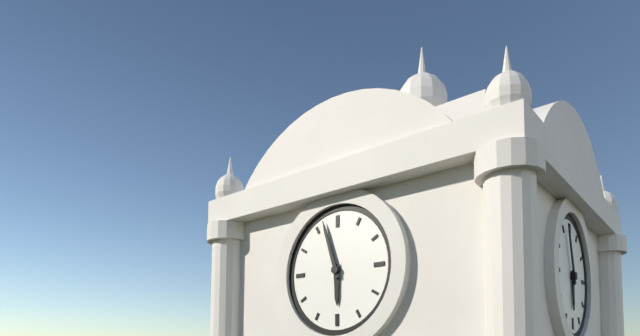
5:57
